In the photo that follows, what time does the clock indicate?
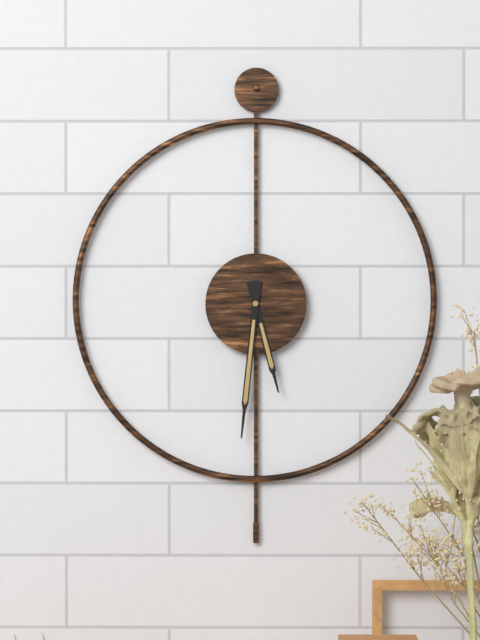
5:31
